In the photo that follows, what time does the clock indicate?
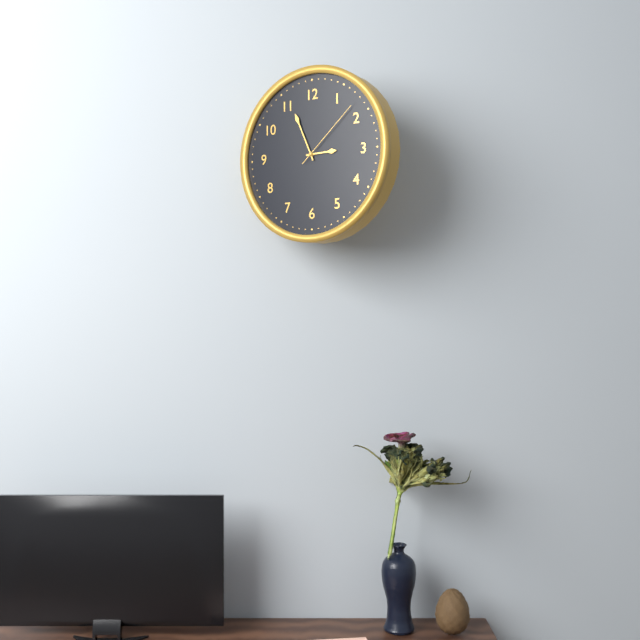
2:56:08
